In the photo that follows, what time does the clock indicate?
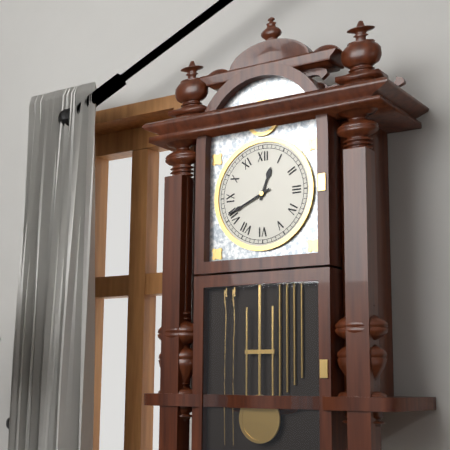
12:41
